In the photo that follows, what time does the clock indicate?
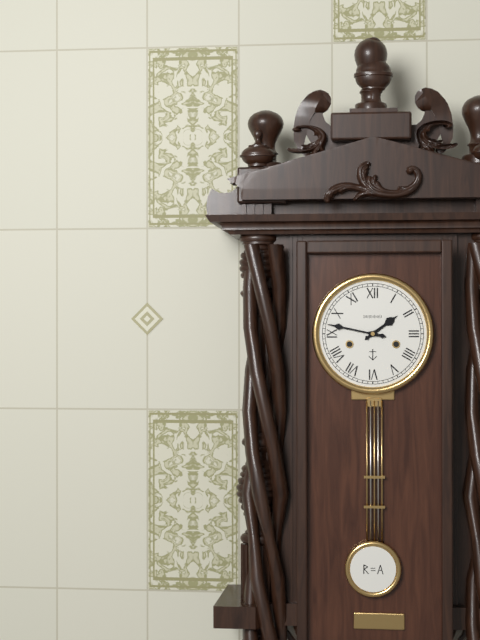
1:47
